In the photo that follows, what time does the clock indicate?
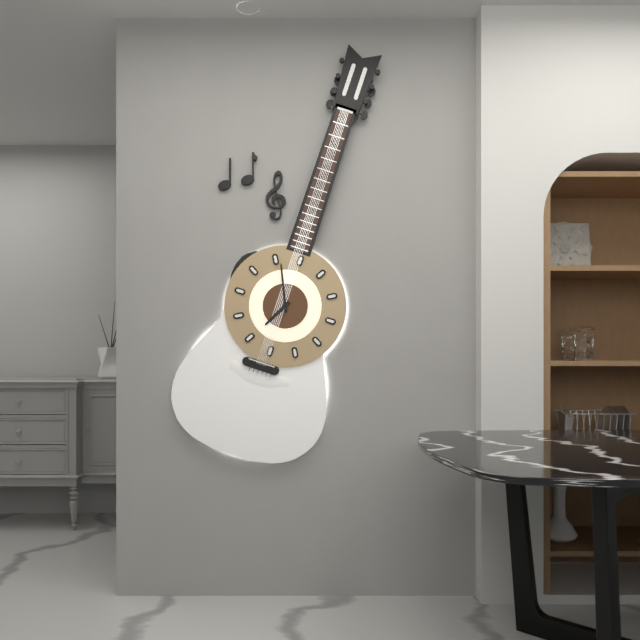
6:56
